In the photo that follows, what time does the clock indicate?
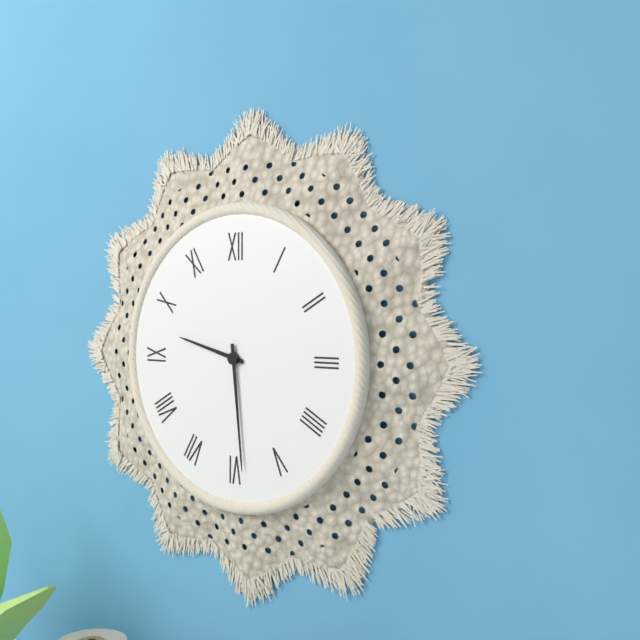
9:29
